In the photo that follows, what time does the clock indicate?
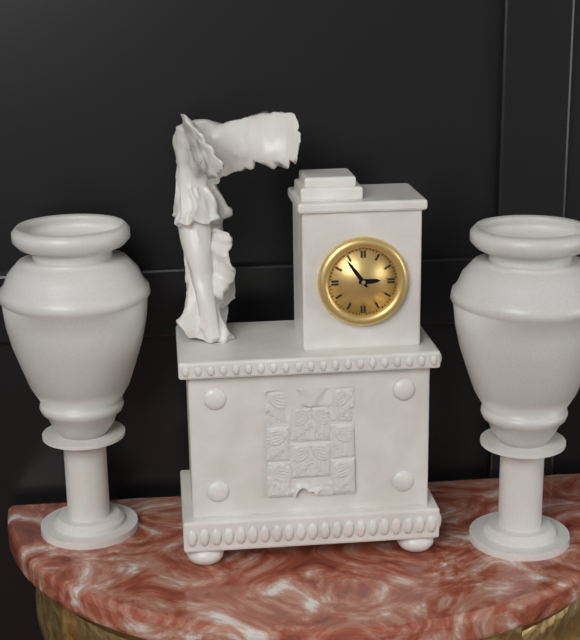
2:54
